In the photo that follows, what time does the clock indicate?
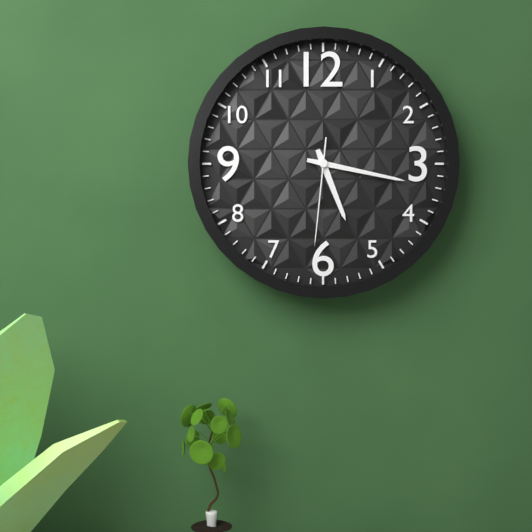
5:17:31
